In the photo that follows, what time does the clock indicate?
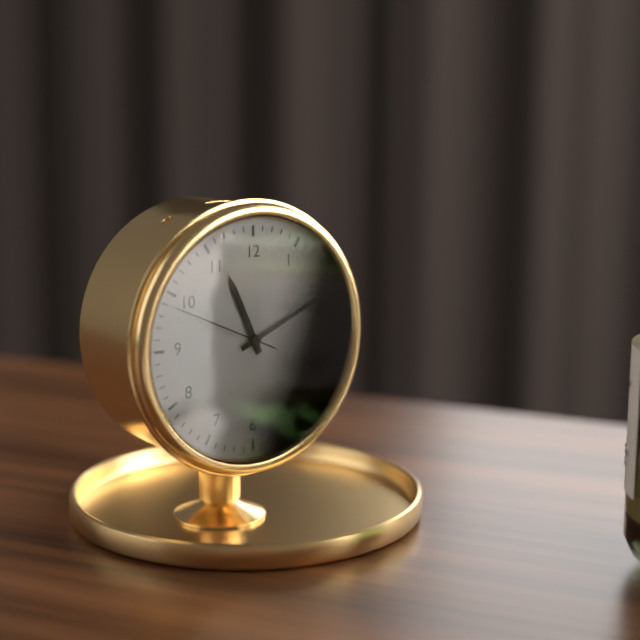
11:11:49
